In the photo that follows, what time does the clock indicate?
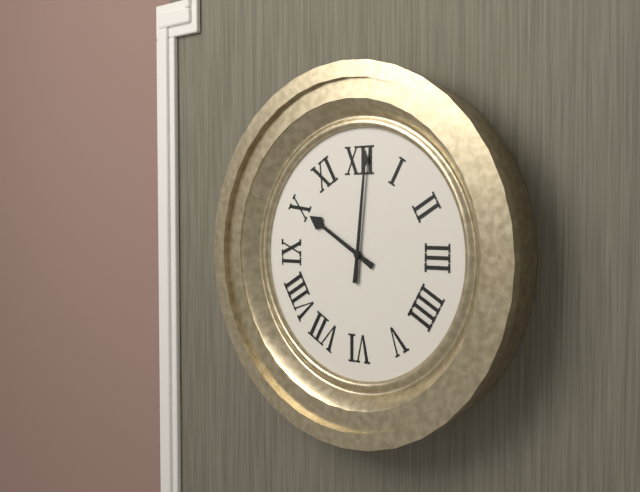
10:01
